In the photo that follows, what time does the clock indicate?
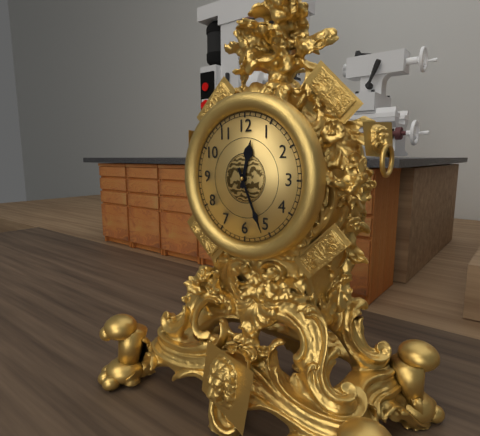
12:26
